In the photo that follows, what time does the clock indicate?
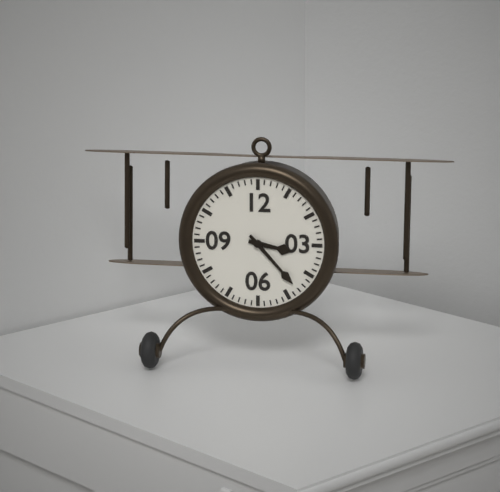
3:23
